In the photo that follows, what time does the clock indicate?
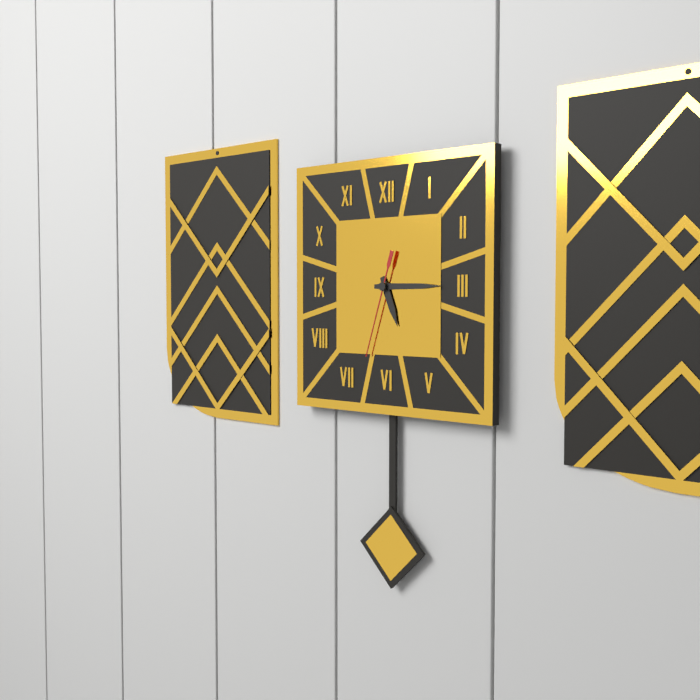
5:15:33
